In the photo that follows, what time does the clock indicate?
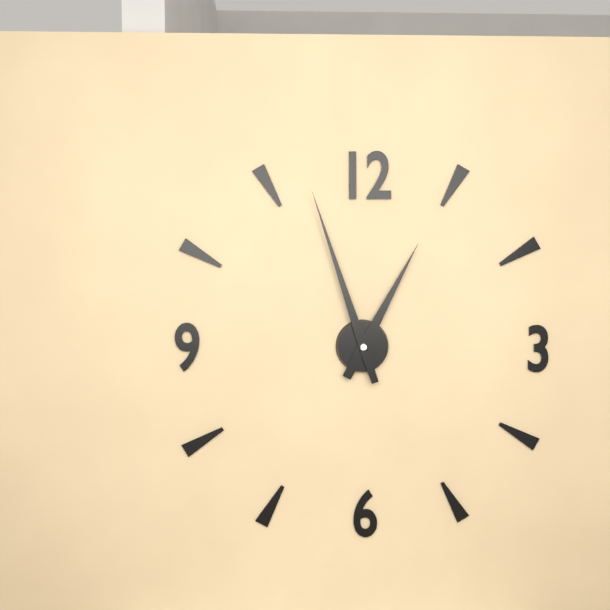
12:57
